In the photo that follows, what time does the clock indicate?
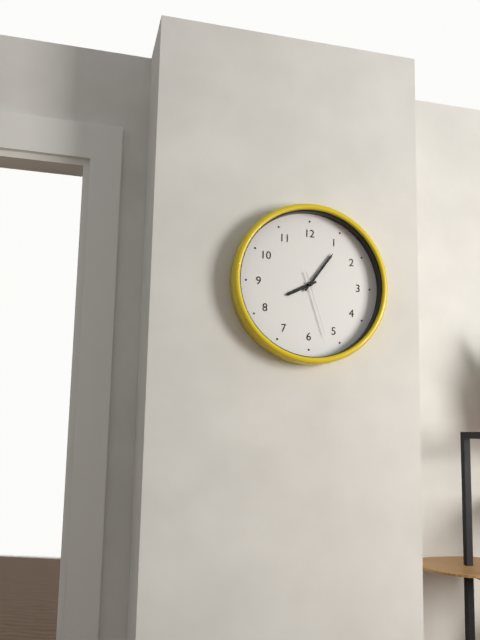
8:06:27
